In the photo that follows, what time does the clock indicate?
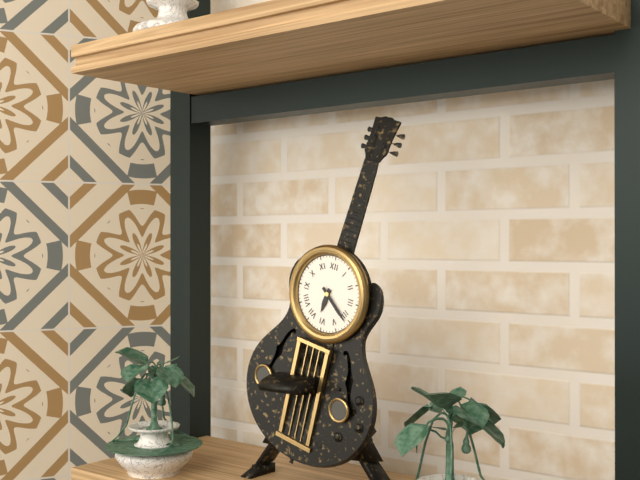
6:21
